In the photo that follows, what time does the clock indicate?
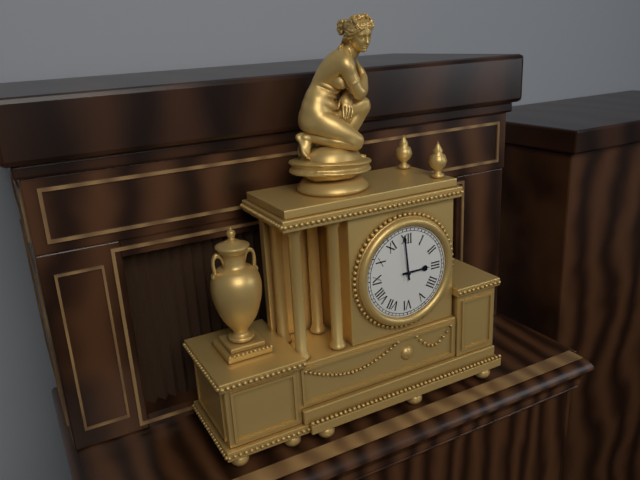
2:59
